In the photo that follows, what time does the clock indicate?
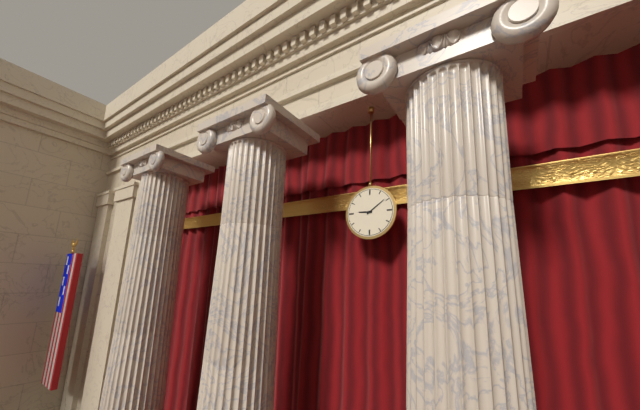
9:09
